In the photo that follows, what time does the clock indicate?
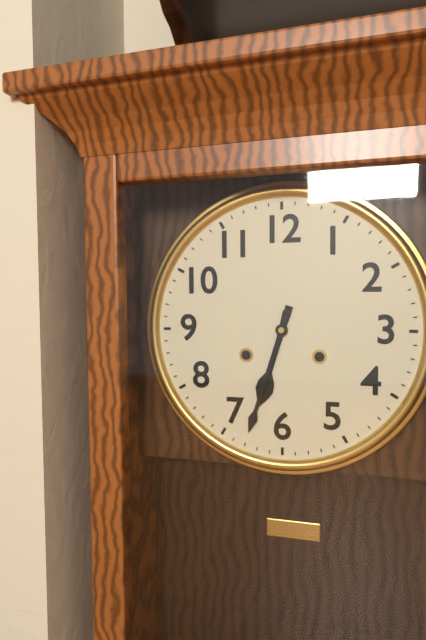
6:33
